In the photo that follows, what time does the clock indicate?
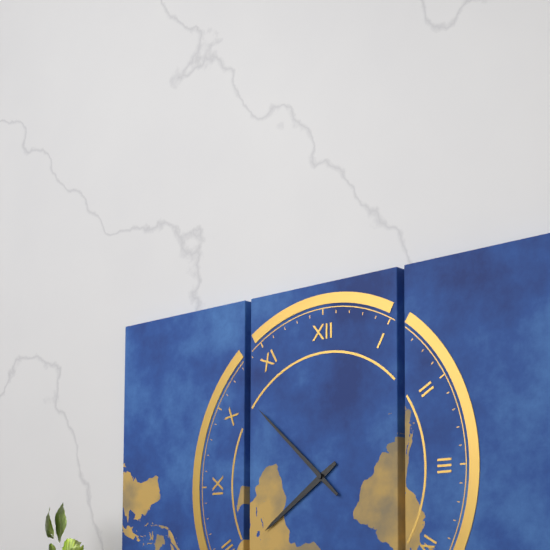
7:52
